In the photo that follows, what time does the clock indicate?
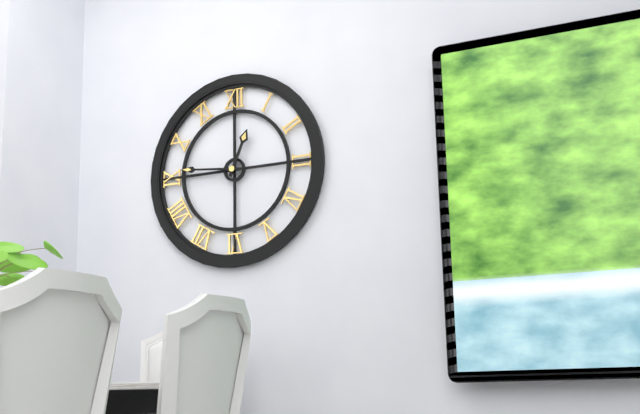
12:46
